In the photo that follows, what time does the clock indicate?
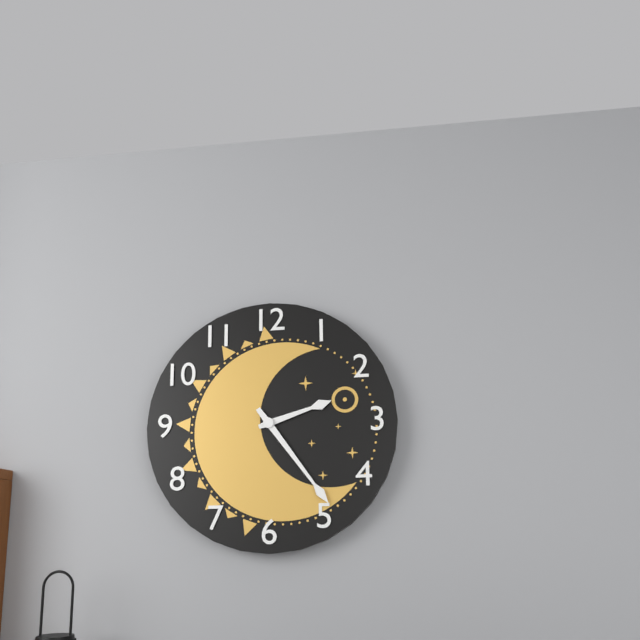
2:24
